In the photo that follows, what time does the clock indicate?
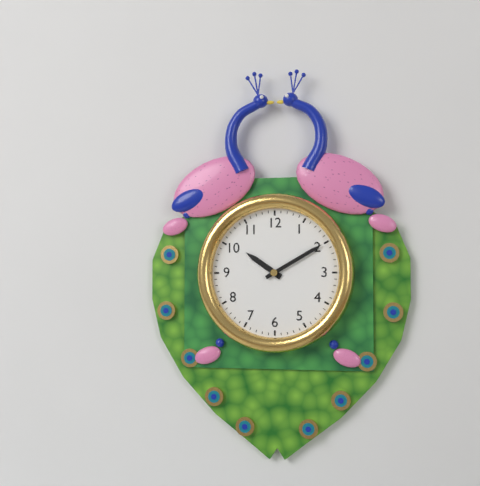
10:10
